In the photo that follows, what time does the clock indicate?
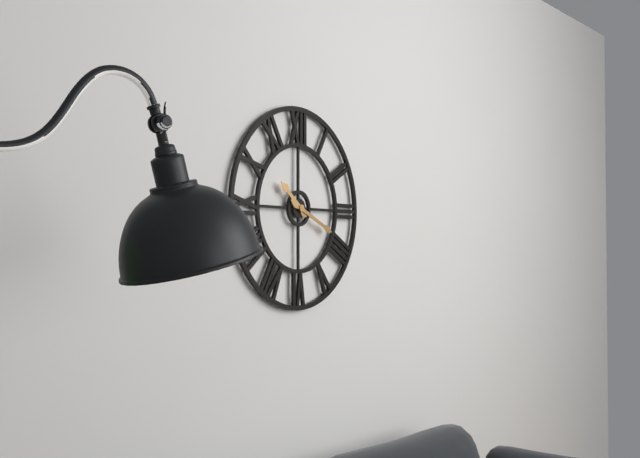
10:19
